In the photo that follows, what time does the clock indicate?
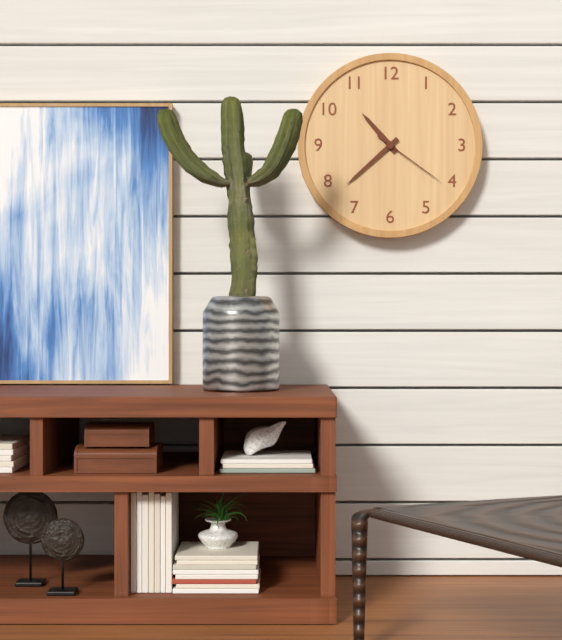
10:38:21
